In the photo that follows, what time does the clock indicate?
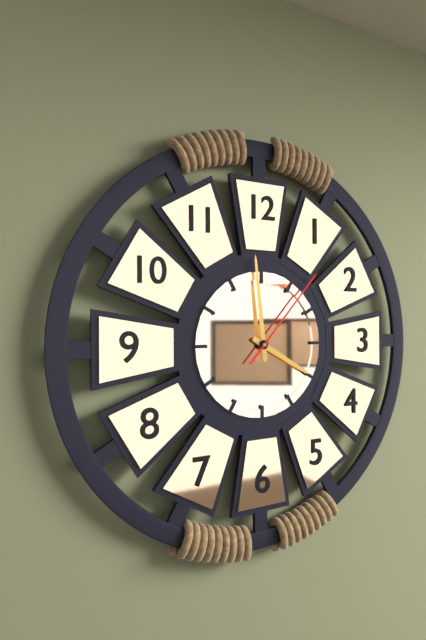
3:59:07
